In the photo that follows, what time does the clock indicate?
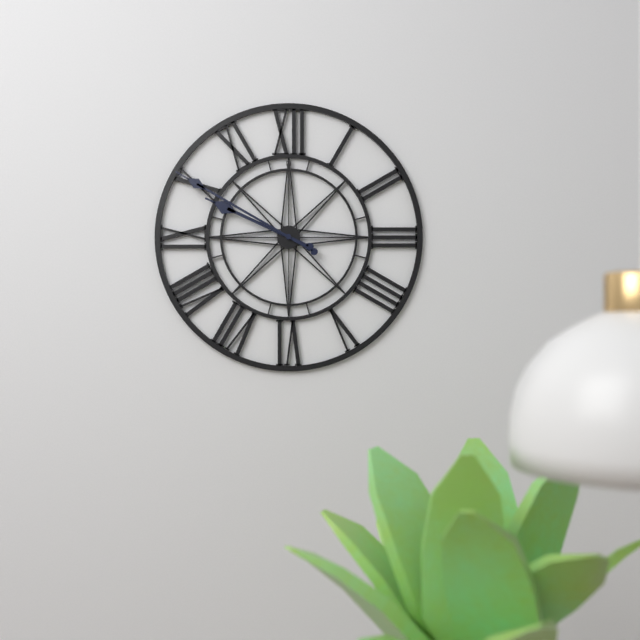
9:50
